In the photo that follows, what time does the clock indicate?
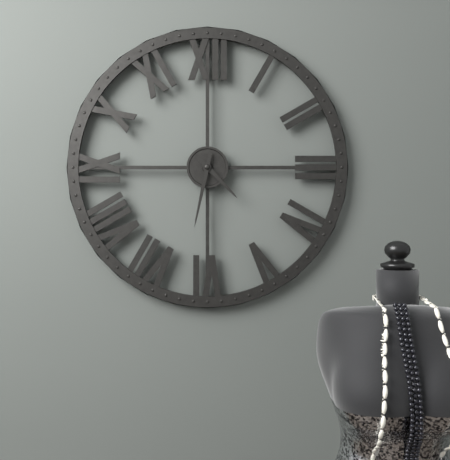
4:32
